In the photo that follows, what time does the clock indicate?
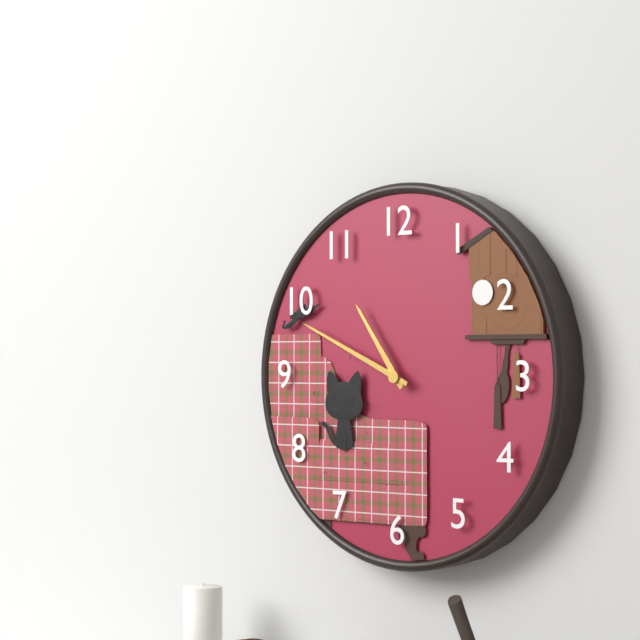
10:49
